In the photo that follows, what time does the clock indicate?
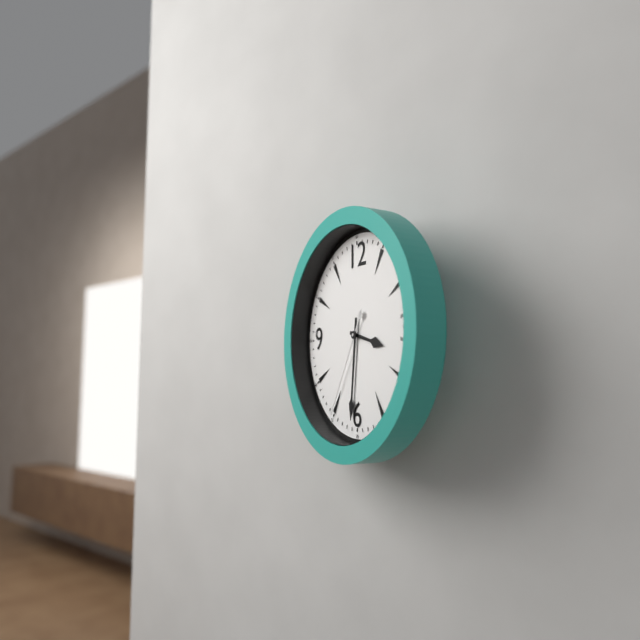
3:31:35
